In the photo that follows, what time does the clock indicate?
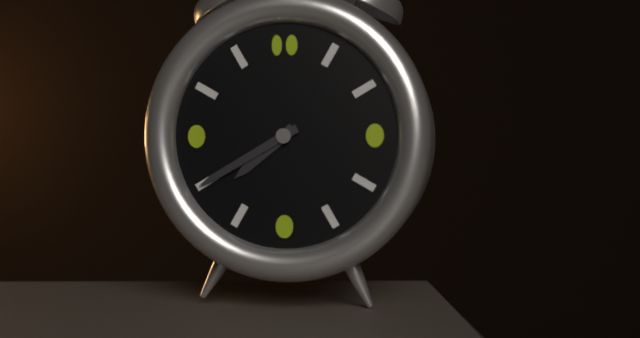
7:40
